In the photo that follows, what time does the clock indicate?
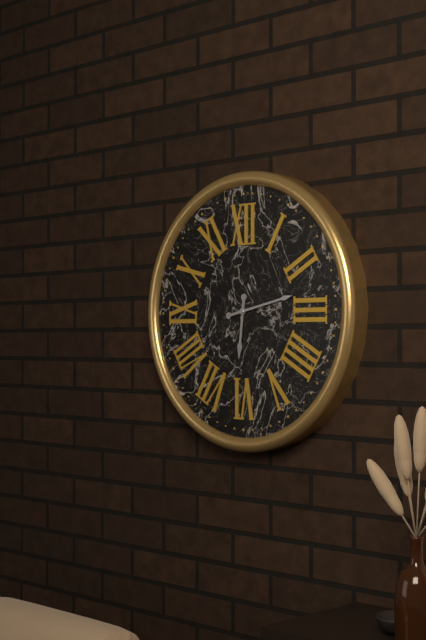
6:13
